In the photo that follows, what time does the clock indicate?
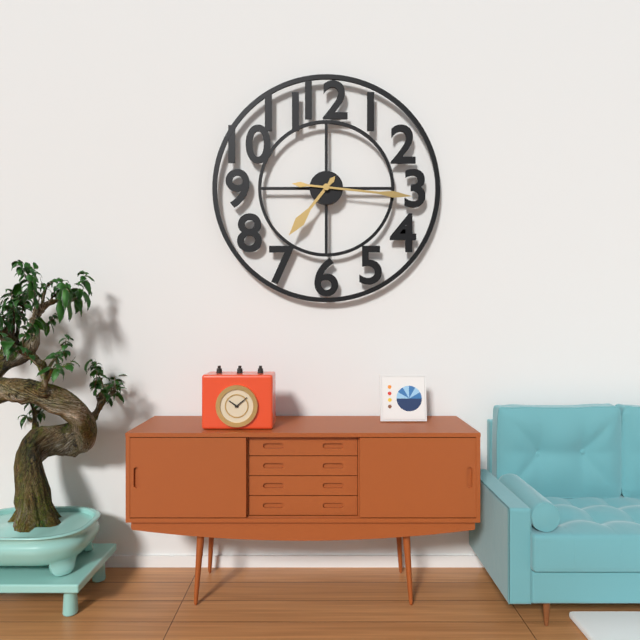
7:16
